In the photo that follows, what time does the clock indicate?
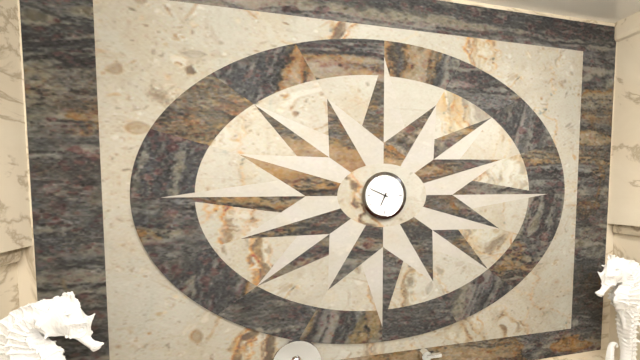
6:49
